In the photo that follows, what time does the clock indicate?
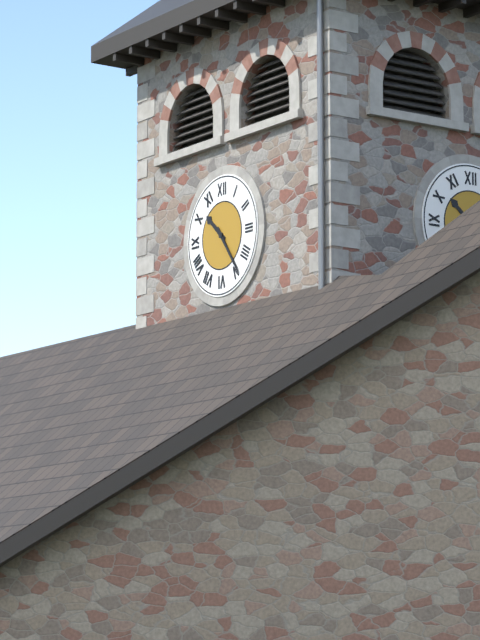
10:24
